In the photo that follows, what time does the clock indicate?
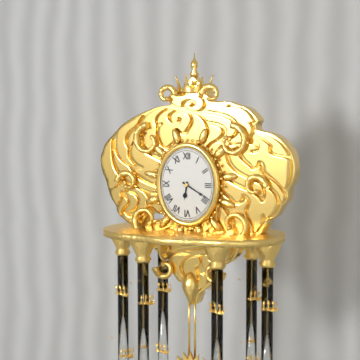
6:20
